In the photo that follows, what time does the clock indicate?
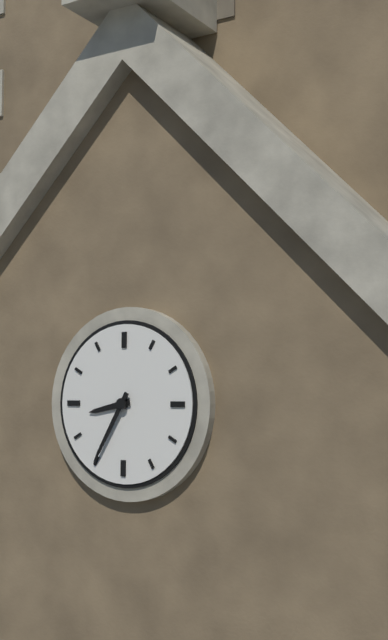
8:35
